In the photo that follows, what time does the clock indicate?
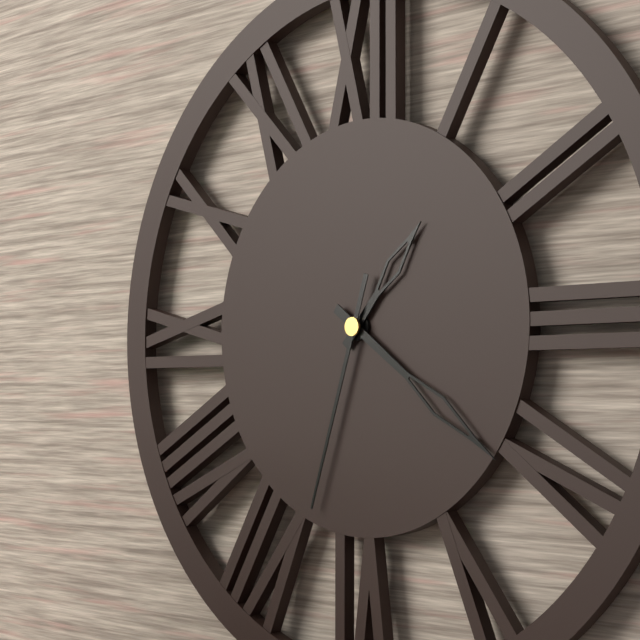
1:21:33
